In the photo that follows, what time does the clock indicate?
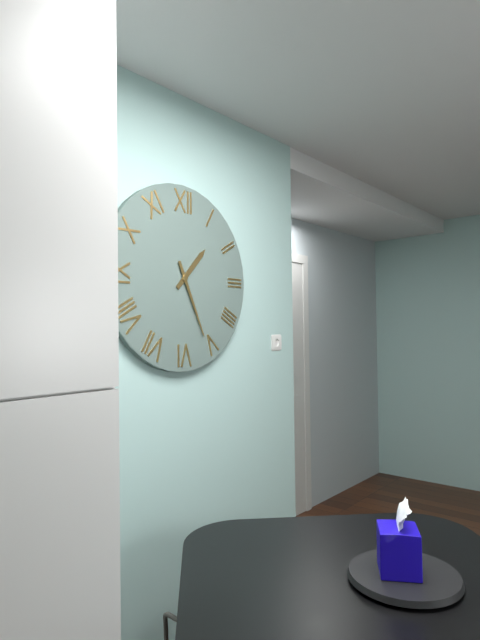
1:26
